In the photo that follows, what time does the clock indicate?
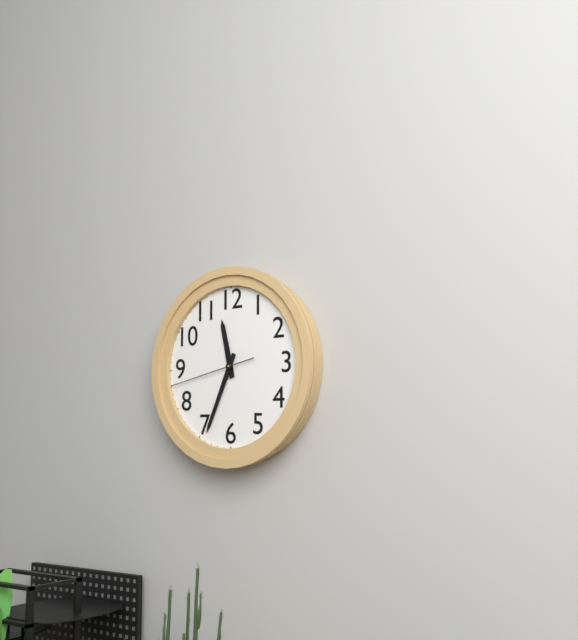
11:34:43
